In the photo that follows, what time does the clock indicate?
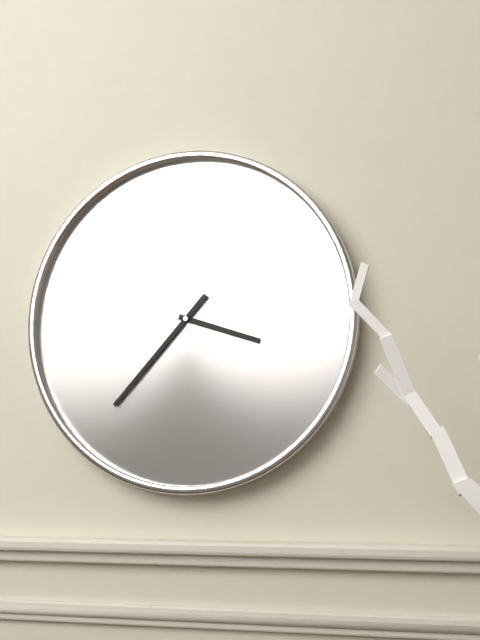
3:37
